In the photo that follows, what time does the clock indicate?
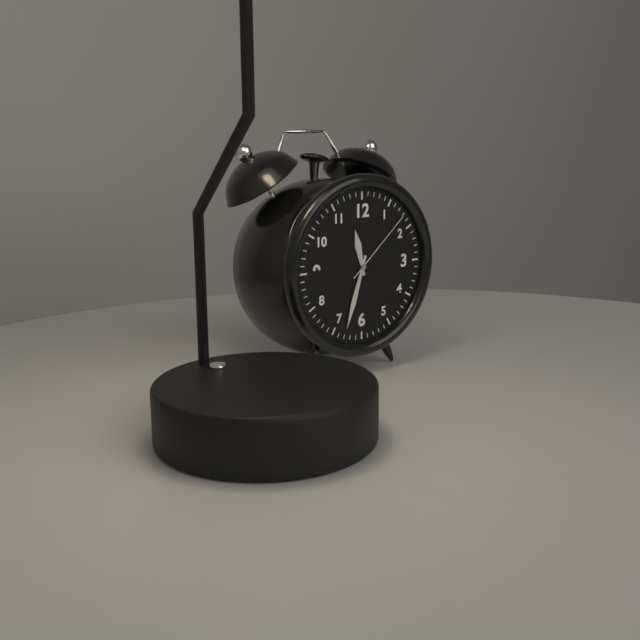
11:33:08
